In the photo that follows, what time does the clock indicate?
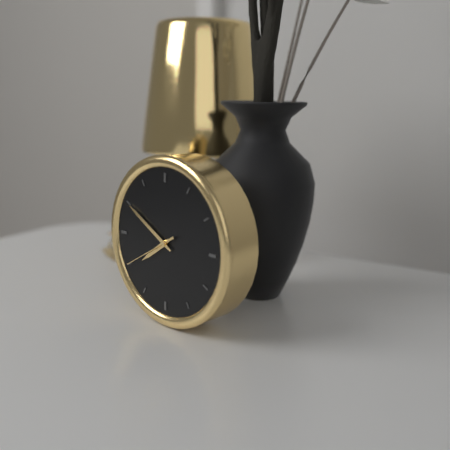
7:50:40
